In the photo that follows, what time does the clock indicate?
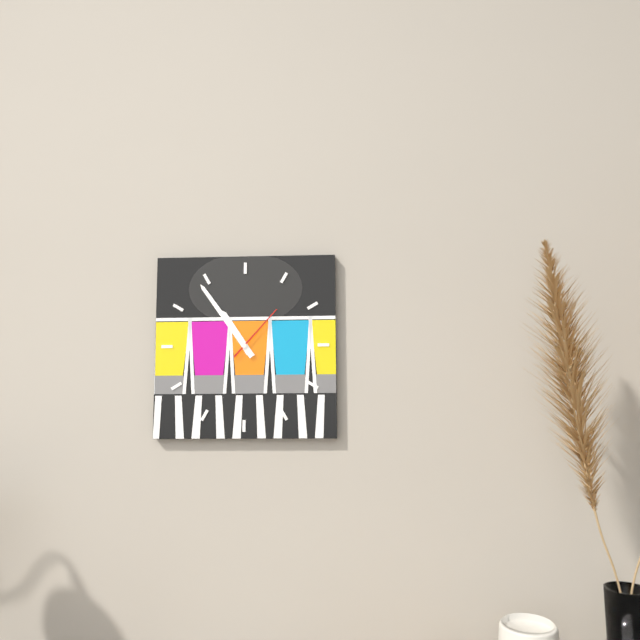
10:54:07
